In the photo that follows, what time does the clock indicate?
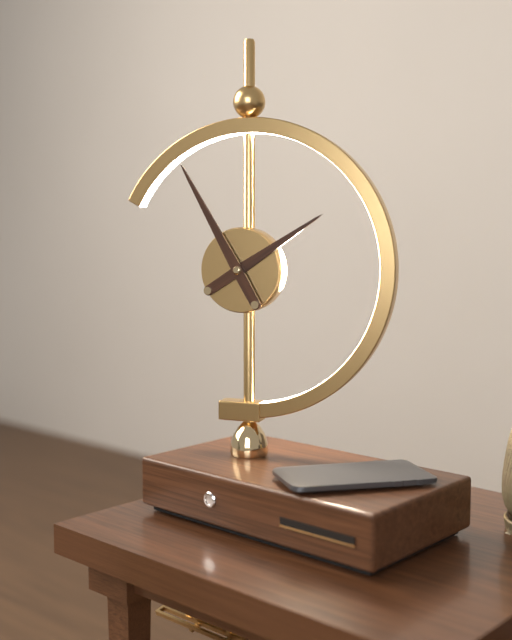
1:55
